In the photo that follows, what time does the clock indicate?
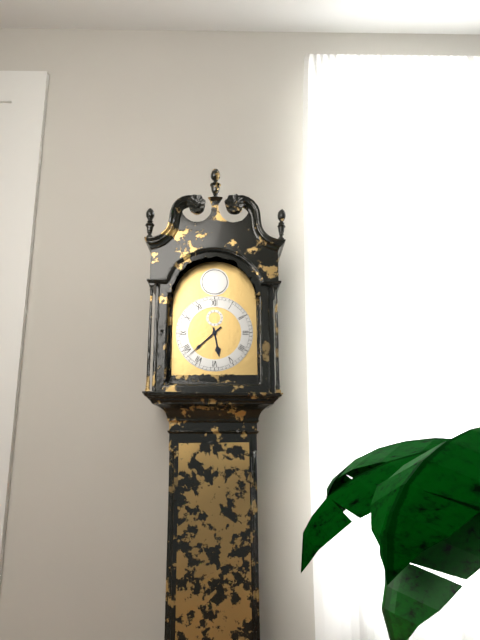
5:38
